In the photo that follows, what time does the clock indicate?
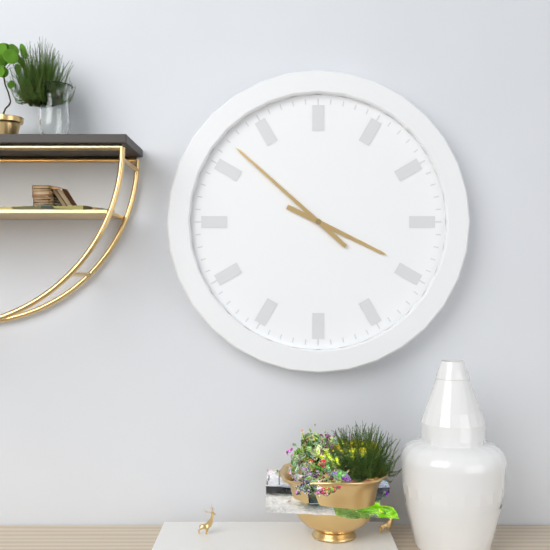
3:52
